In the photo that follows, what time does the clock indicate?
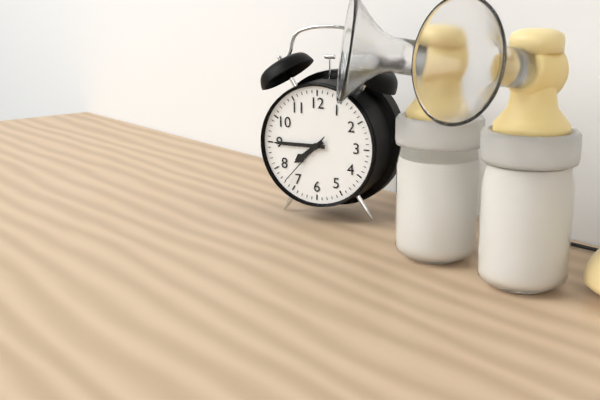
7:45:37
